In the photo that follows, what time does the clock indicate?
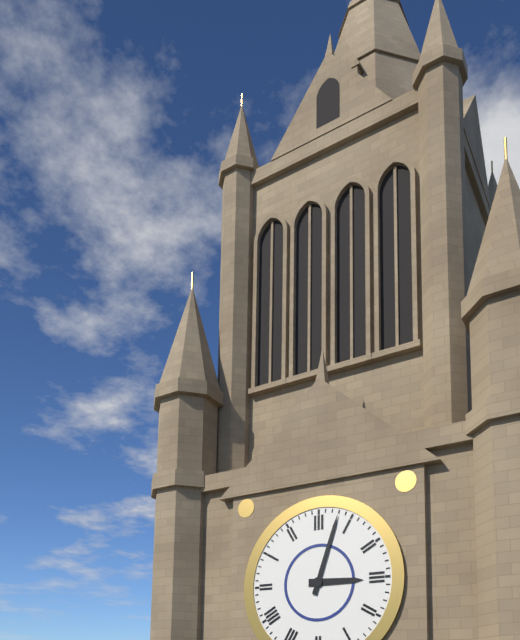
3:03
